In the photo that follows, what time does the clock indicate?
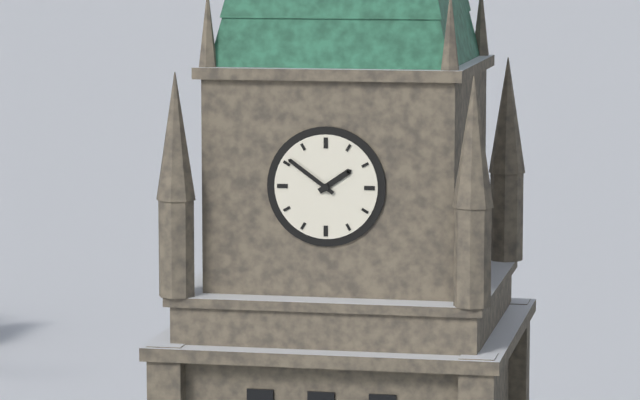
1:51
